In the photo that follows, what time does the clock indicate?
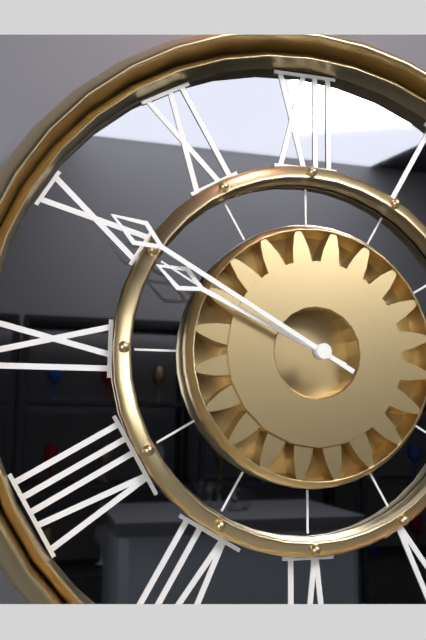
9:50
